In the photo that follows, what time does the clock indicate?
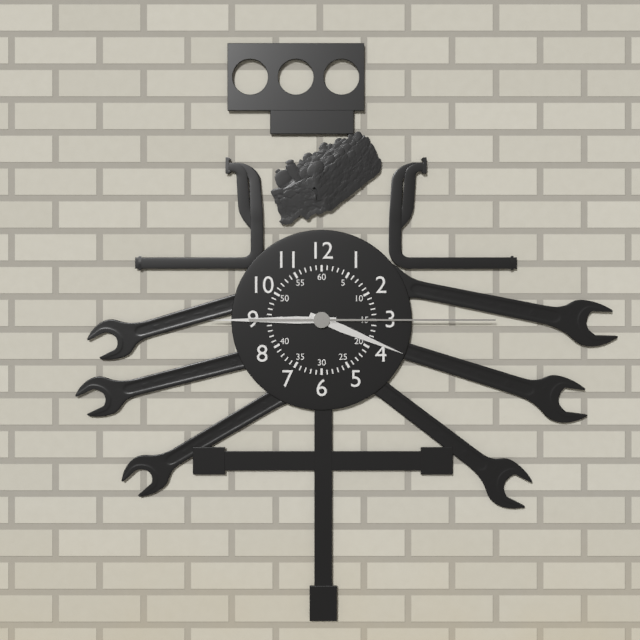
3:45:15
